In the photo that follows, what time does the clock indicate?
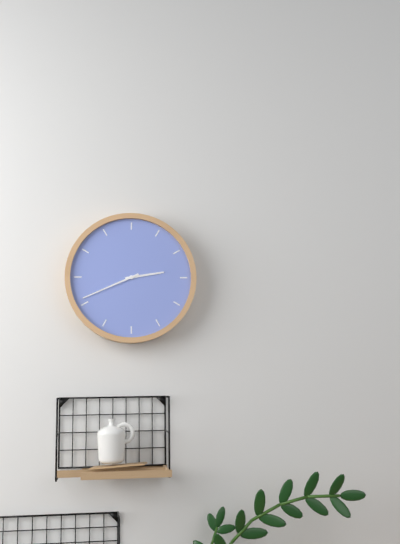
2:41
